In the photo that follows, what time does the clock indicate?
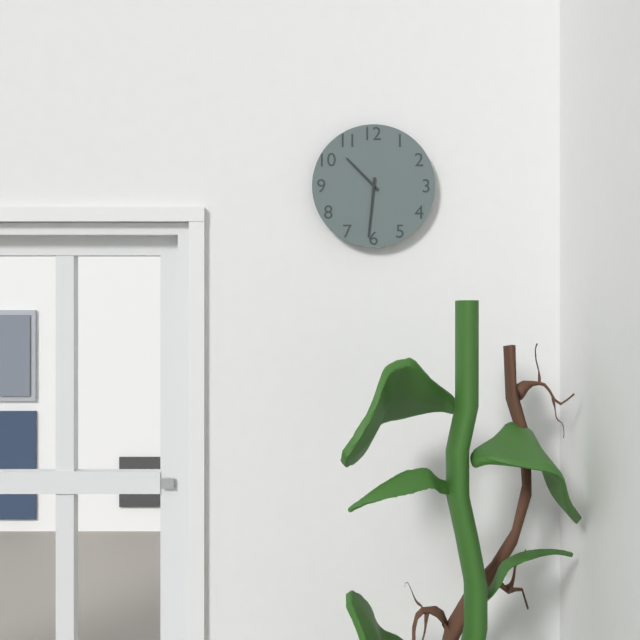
10:31
